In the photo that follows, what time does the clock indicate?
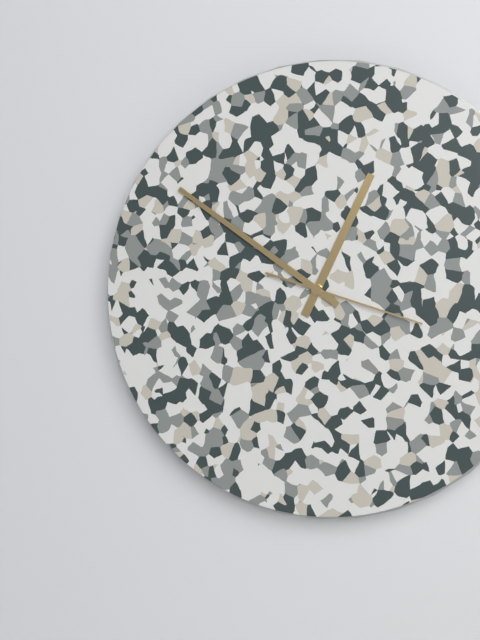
12:51:18
